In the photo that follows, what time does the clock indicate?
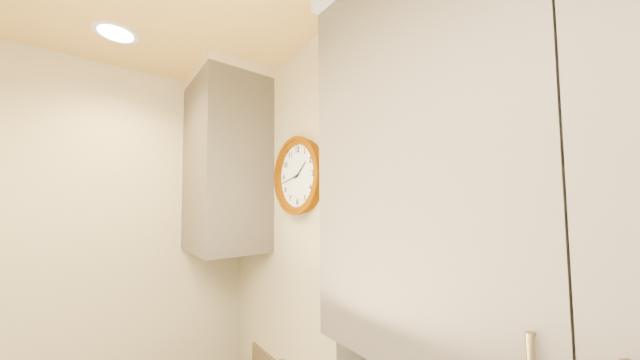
1:43
